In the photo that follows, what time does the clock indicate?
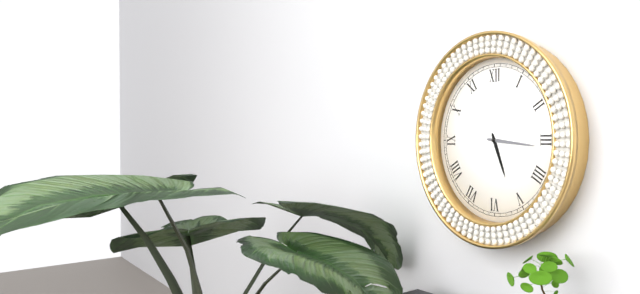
5:16
